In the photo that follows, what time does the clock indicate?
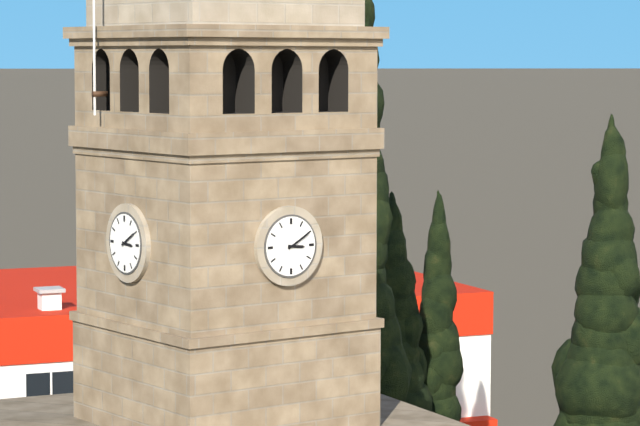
3:10
